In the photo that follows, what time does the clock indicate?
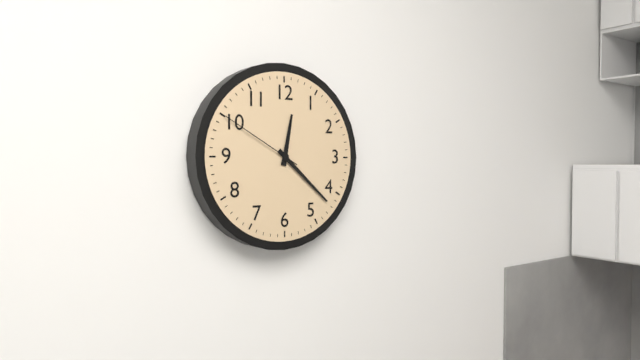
12:22:50
